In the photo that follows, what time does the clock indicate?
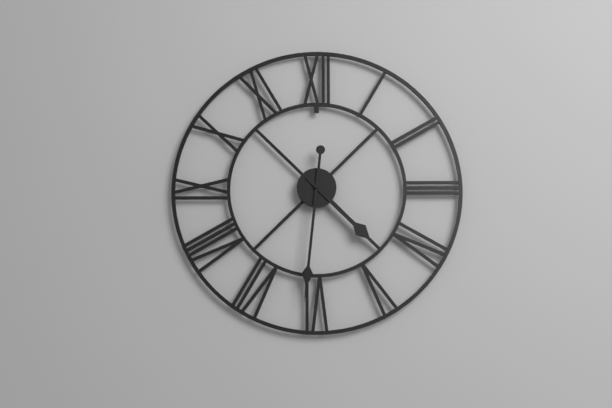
4:31
